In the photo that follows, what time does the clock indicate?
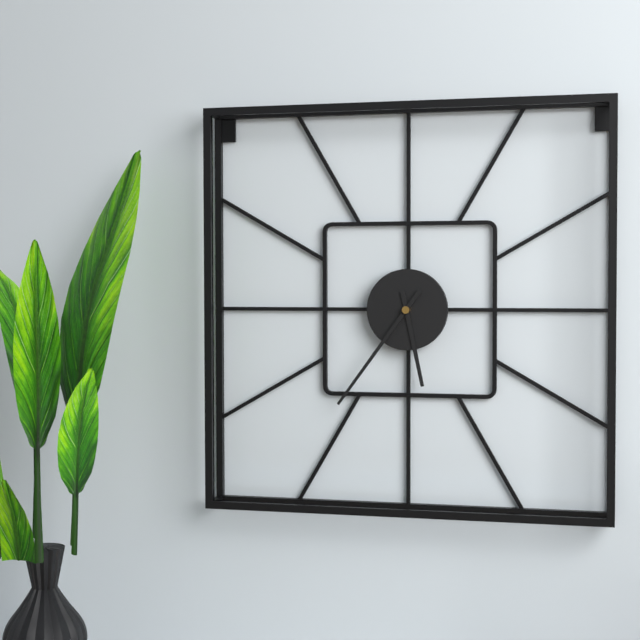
5:36
